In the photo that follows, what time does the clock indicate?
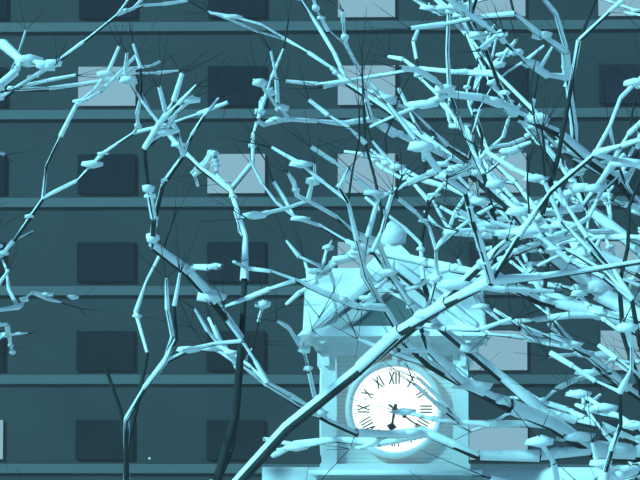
6:21
